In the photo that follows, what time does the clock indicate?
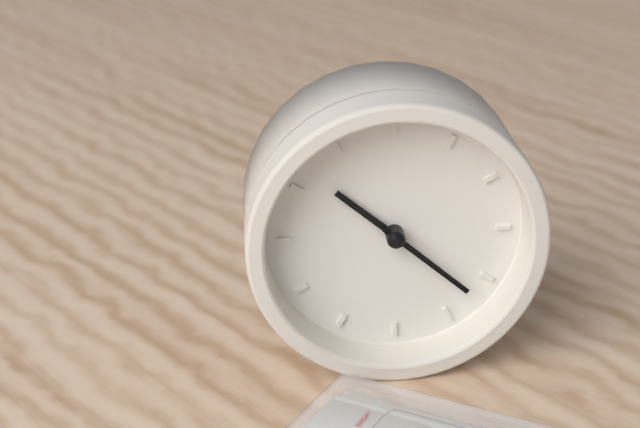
10:22
